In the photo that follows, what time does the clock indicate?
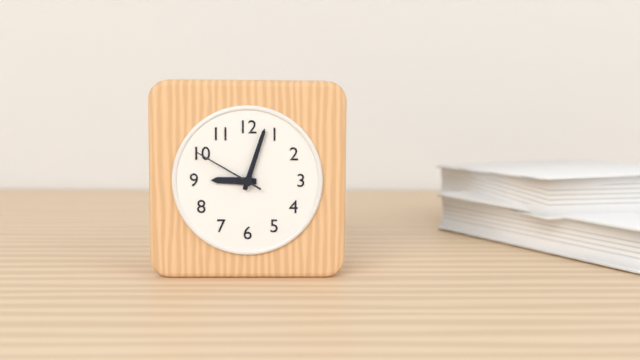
9:03:50
